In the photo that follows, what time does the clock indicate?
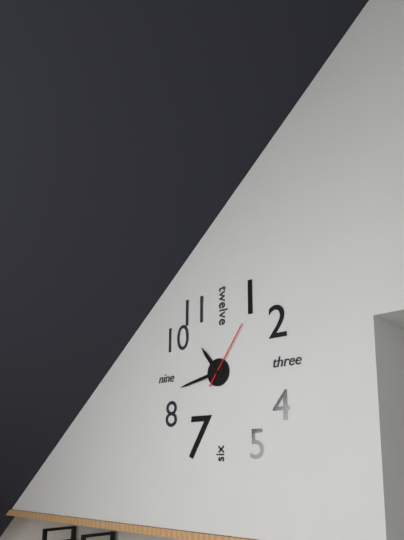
10:43:06
